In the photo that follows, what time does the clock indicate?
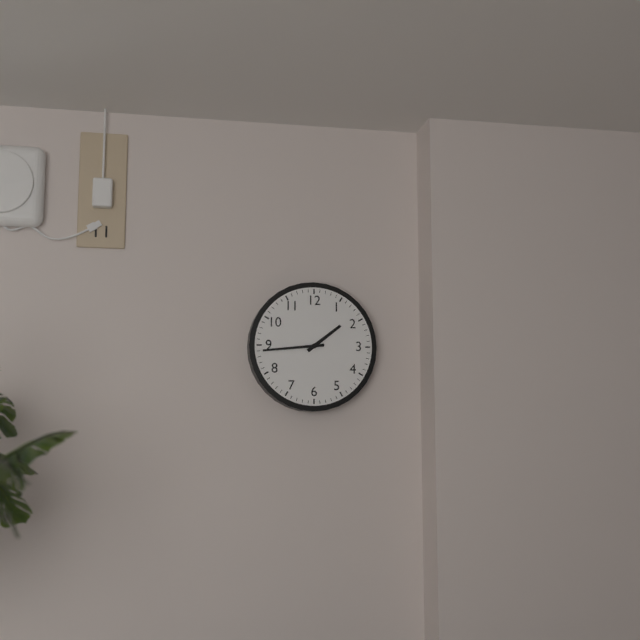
1:44
